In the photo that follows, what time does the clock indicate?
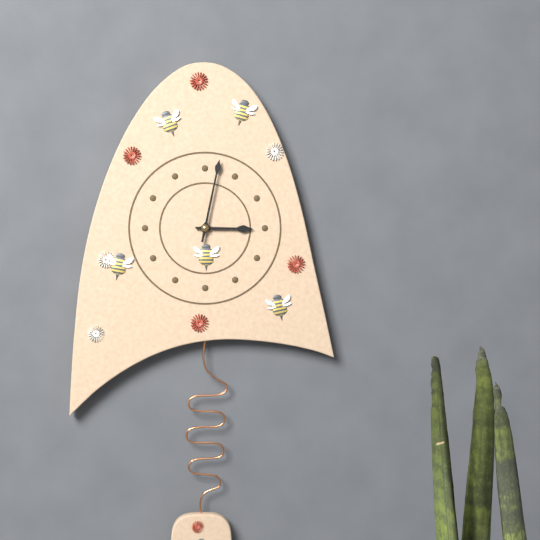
3:02
